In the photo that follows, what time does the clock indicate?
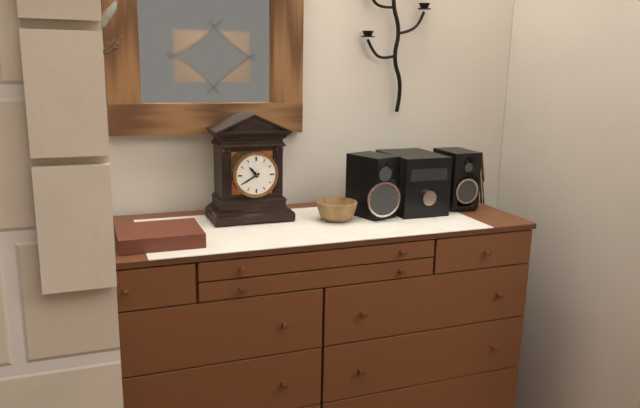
10:40
